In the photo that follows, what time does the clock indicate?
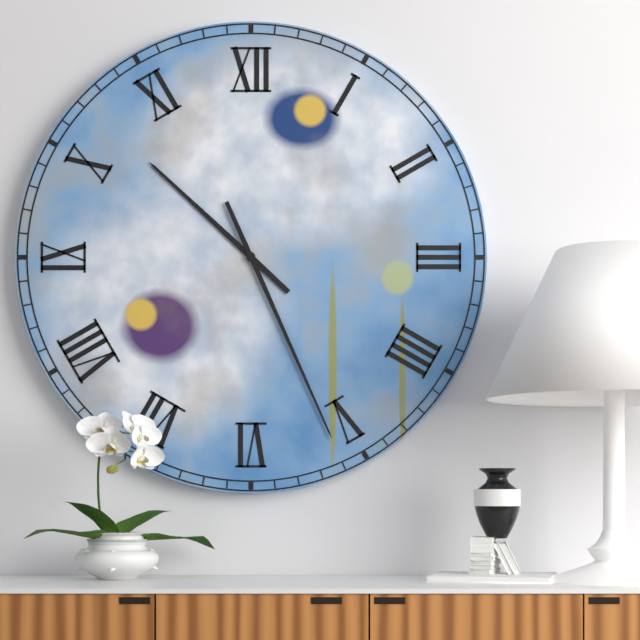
10:26
